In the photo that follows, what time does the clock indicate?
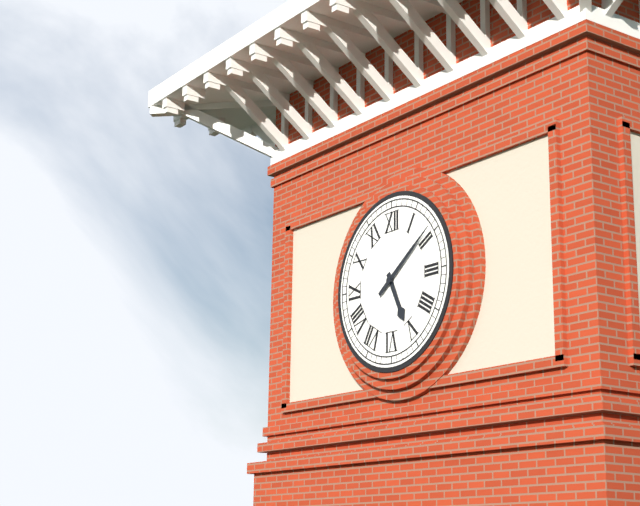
5:09
